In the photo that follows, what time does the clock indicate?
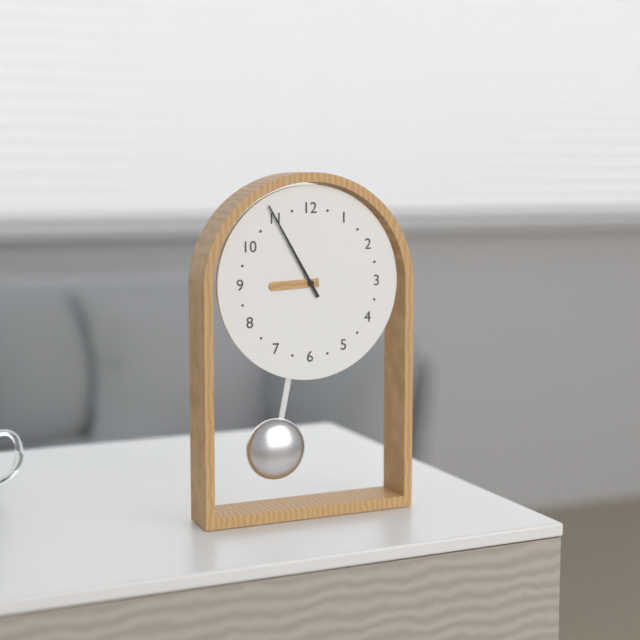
8:55
